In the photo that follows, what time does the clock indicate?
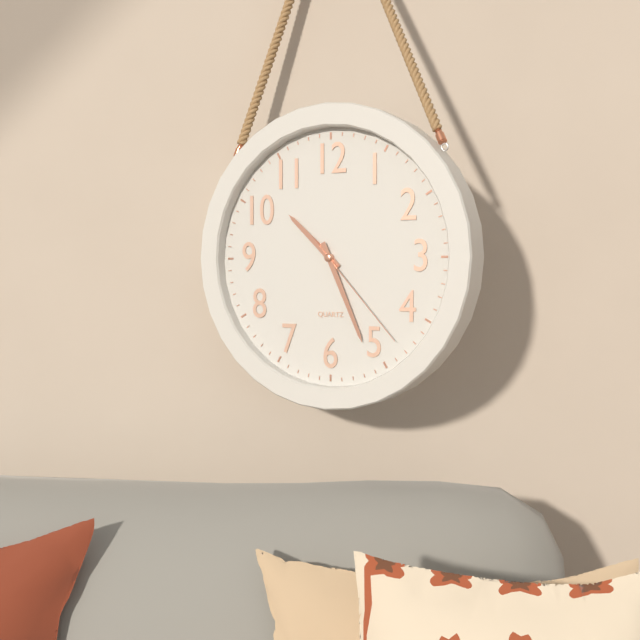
10:26:23
